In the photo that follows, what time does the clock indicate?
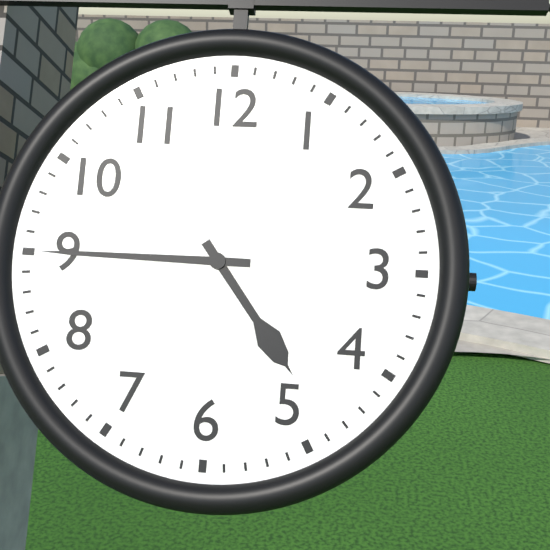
4:45
